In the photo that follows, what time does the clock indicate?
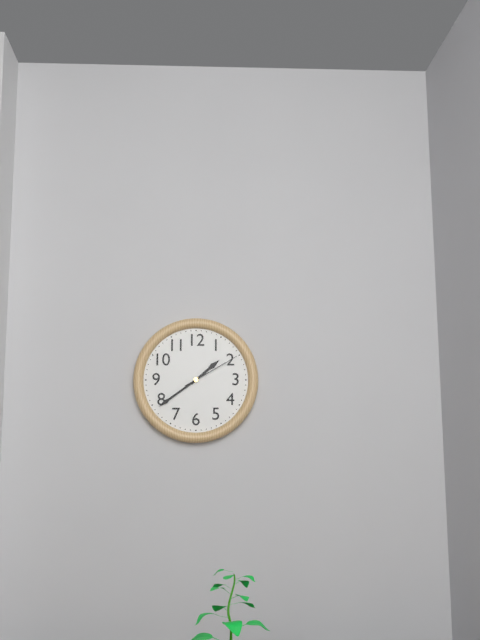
1:39:10
